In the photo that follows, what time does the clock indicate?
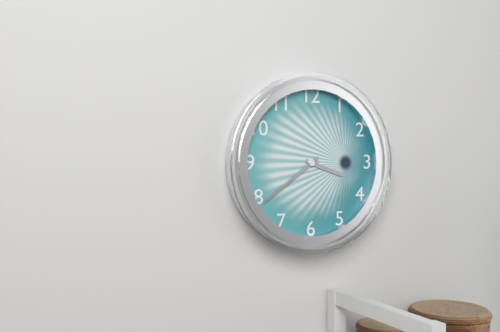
3:39
